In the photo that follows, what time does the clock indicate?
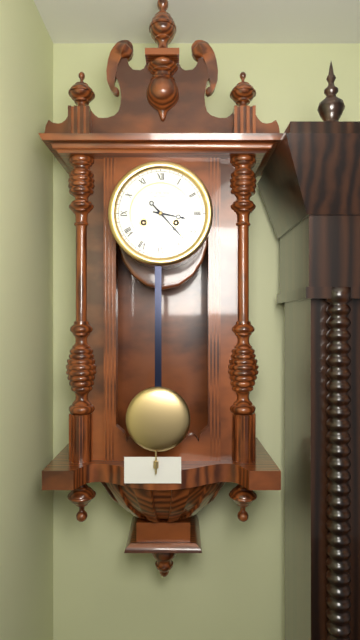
3:23
